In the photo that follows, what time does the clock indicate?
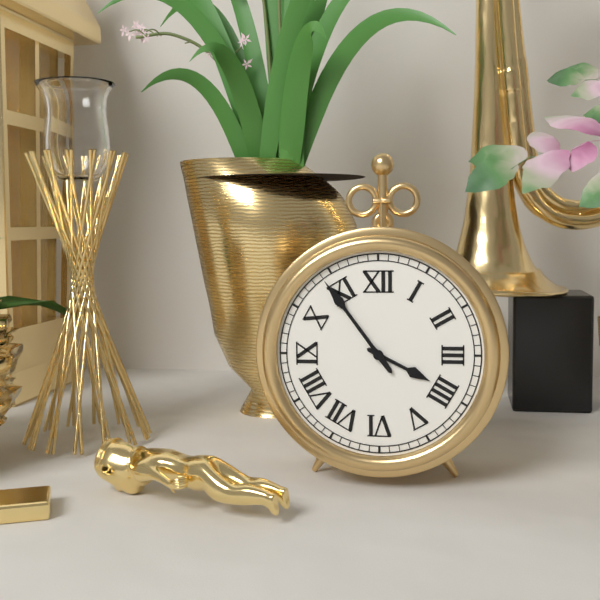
3:54
